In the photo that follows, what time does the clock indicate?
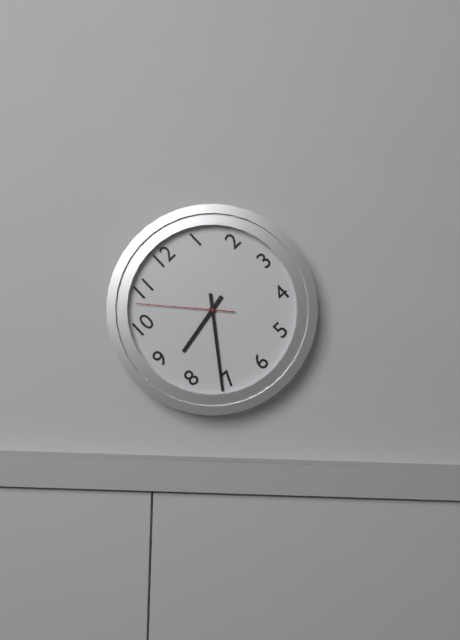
8:36:53
